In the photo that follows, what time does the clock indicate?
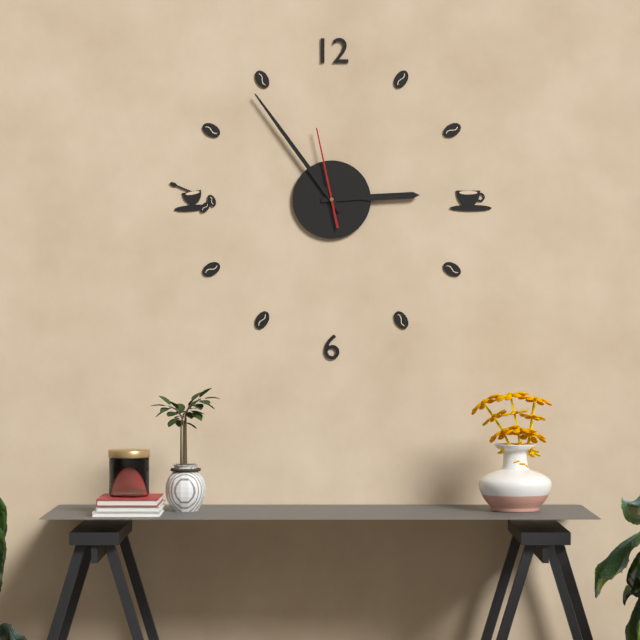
2:54:58
